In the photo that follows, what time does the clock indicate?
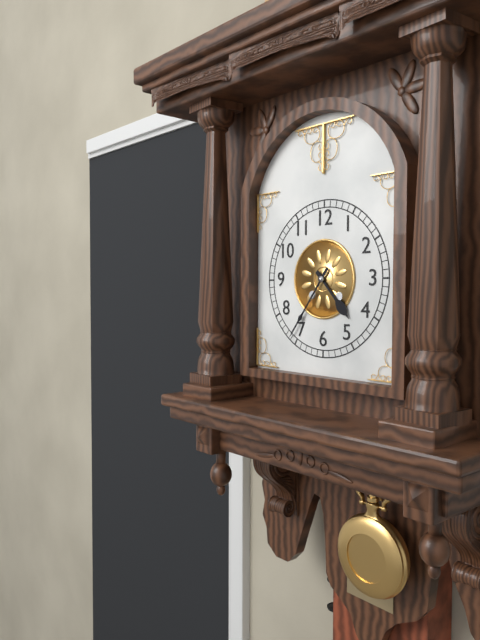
4:36
